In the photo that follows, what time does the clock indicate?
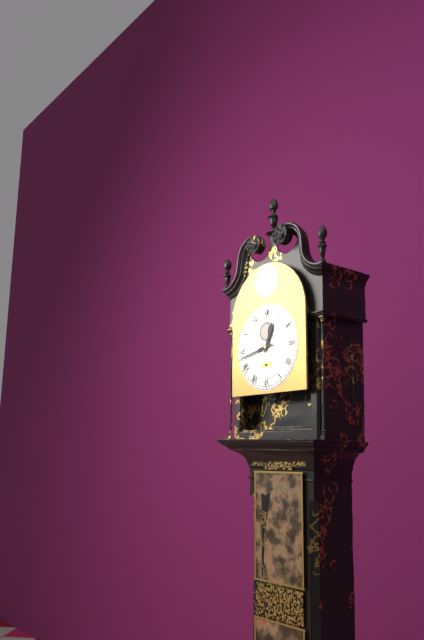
12:43
